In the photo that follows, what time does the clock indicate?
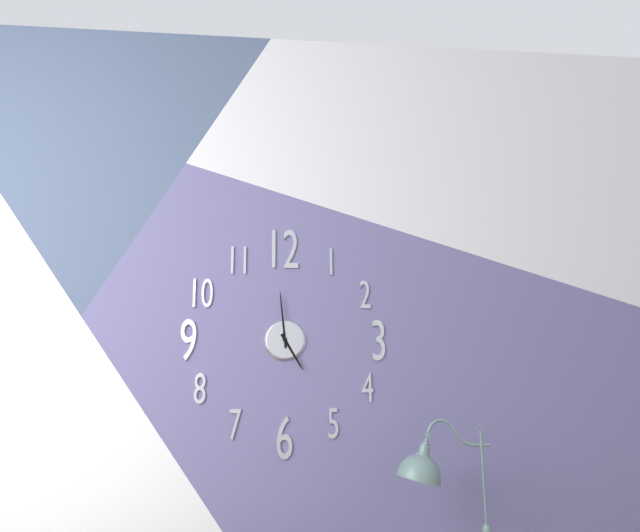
4:59
